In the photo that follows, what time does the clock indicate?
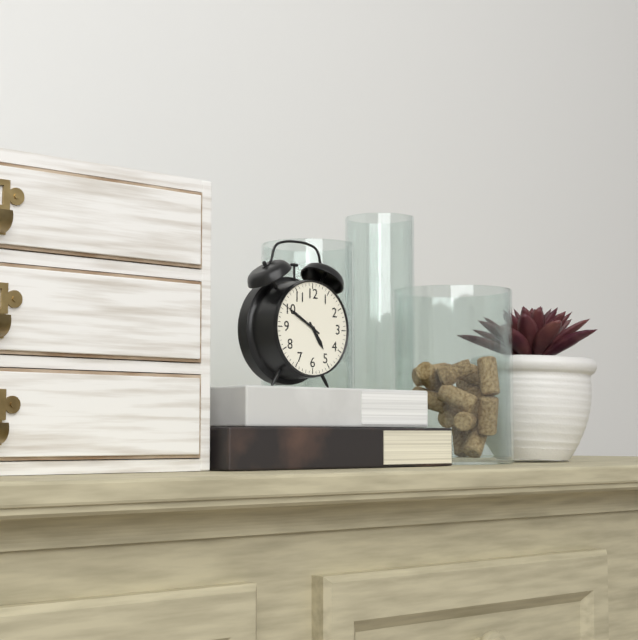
4:50
